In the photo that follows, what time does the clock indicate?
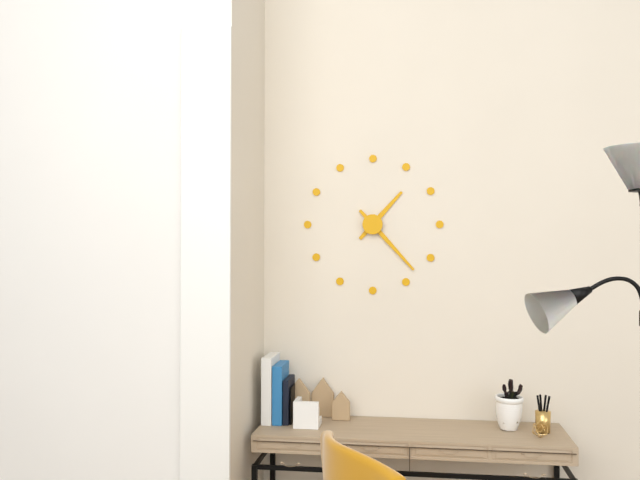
1:23
